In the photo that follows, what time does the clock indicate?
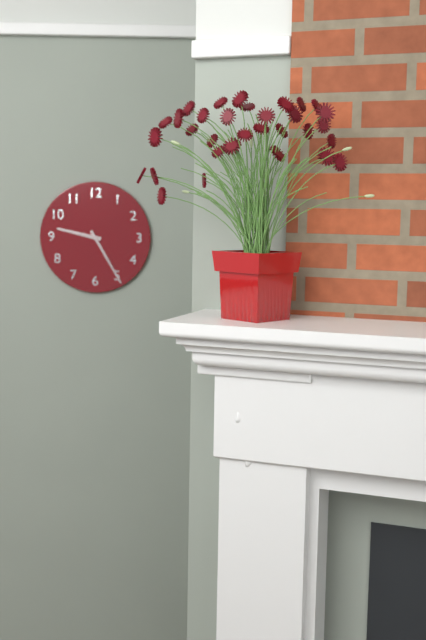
9:25
